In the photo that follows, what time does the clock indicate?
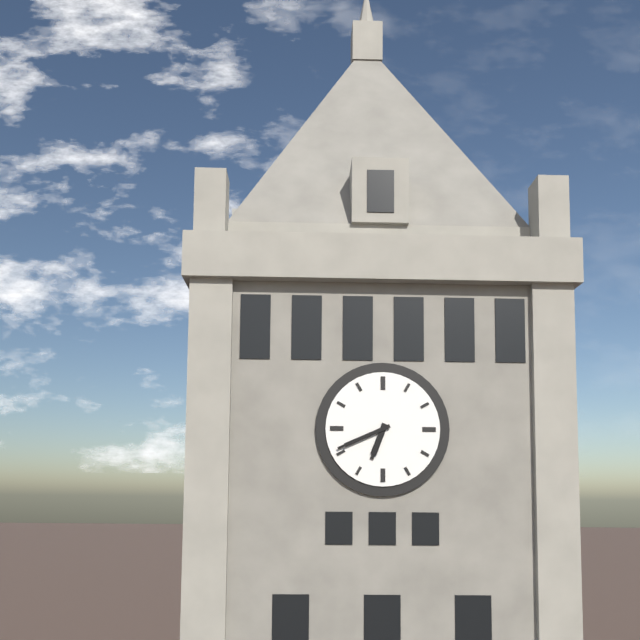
6:41
